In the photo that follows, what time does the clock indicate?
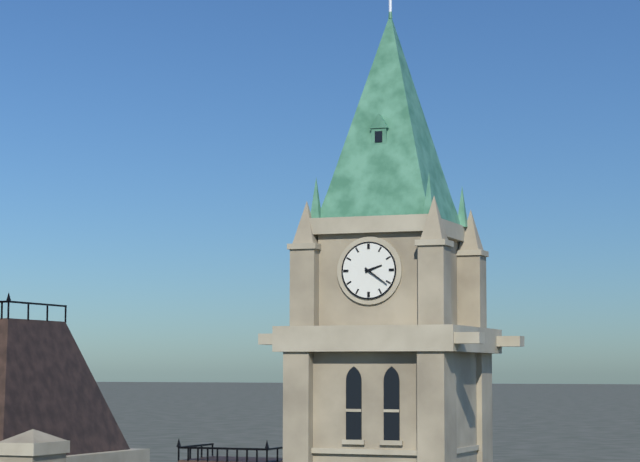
2:21
